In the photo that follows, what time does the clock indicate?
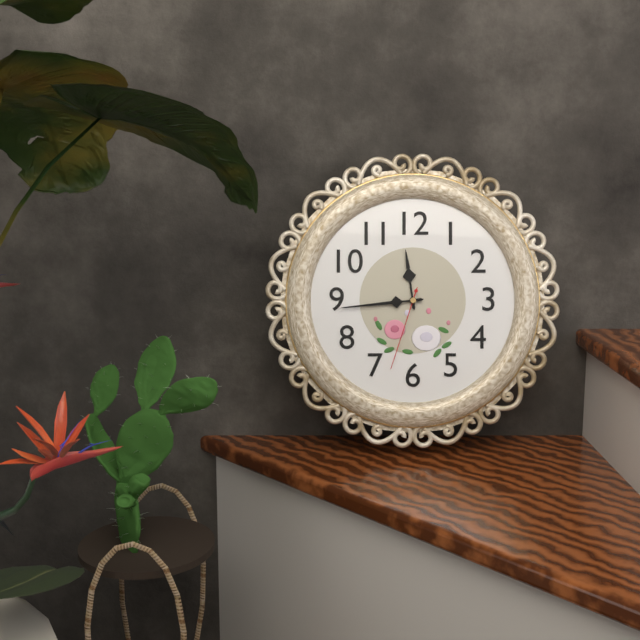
11:44:33
